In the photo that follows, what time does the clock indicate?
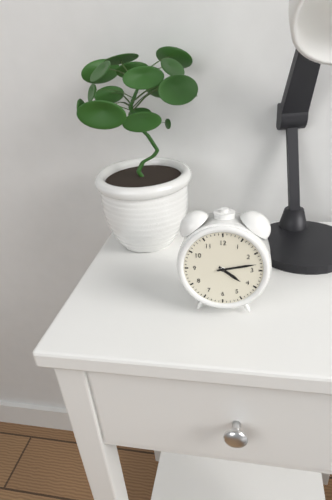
4:13
